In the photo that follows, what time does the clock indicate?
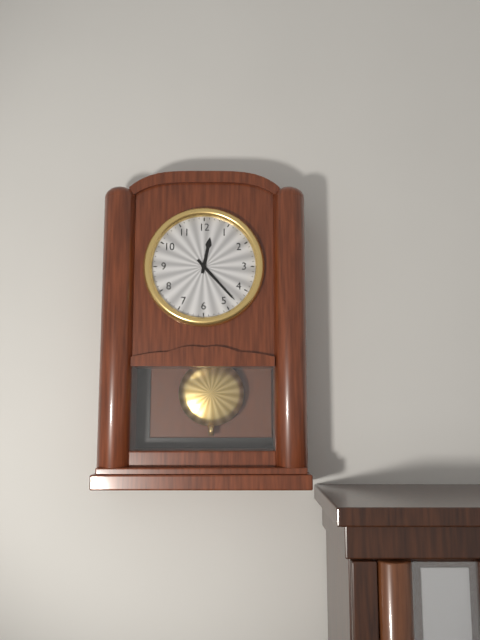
12:23
